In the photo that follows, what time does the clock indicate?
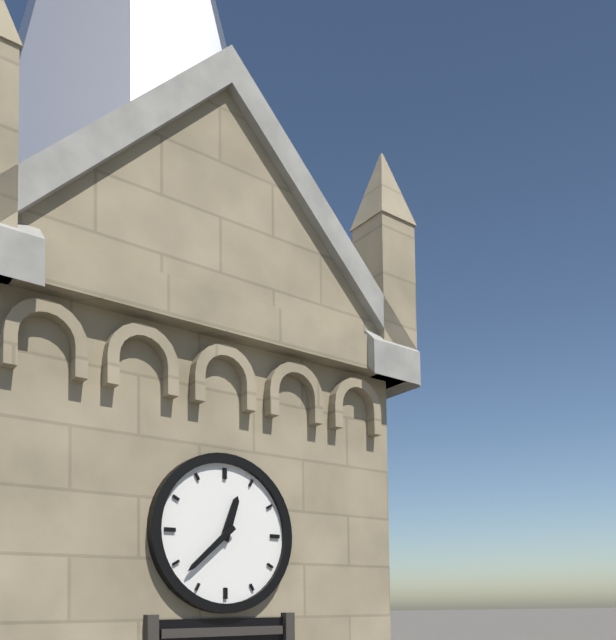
12:38
